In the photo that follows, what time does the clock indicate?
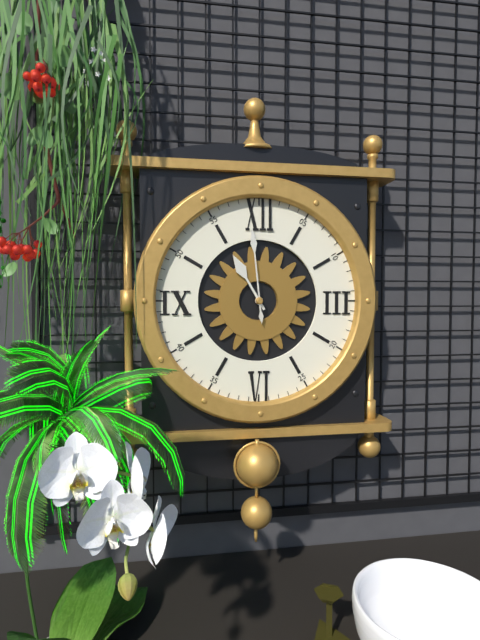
10:59
